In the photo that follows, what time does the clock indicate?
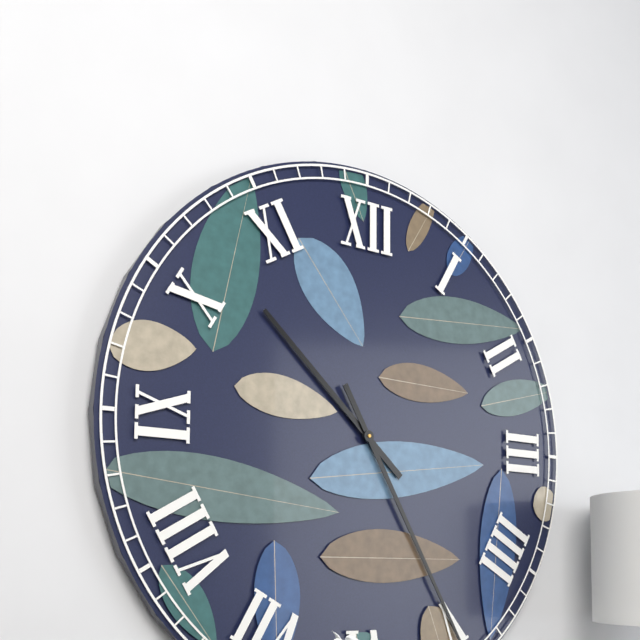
10:25
